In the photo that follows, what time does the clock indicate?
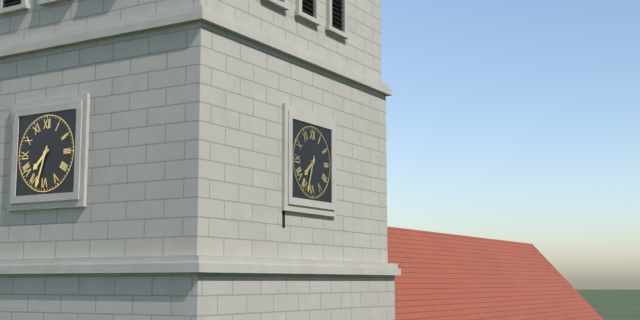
7:33
